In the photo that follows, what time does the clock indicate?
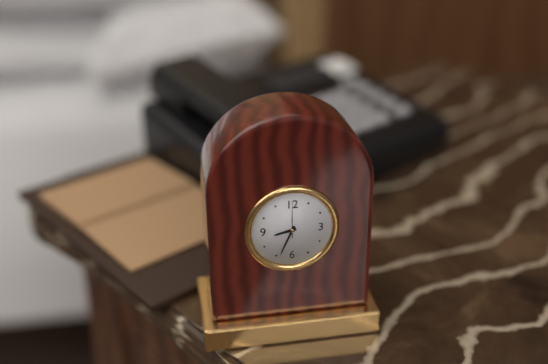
8:34
